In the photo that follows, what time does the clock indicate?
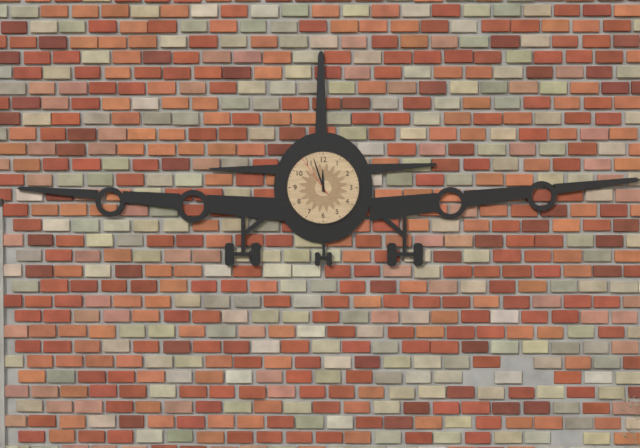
11:57
